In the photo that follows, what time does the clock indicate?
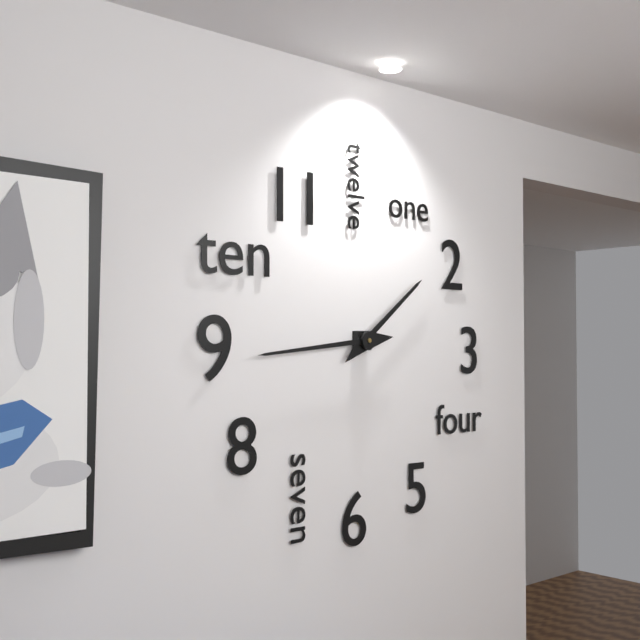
1:44
